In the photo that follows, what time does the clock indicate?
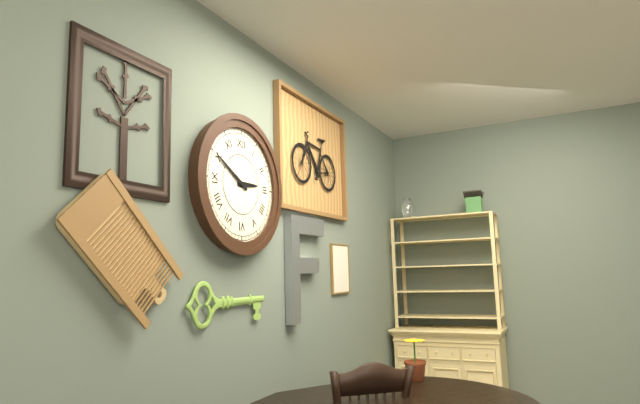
2:50
